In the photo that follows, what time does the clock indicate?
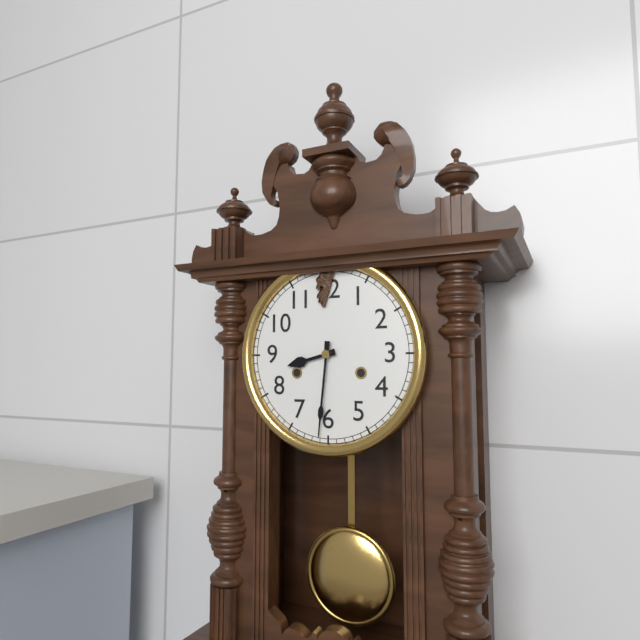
8:31
